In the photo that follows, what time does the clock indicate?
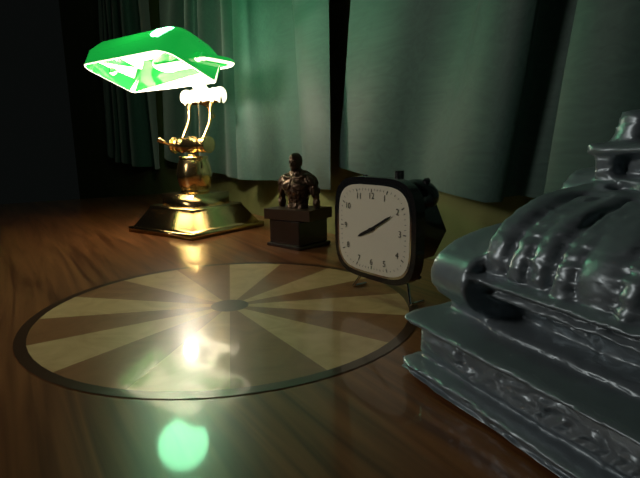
8:10
